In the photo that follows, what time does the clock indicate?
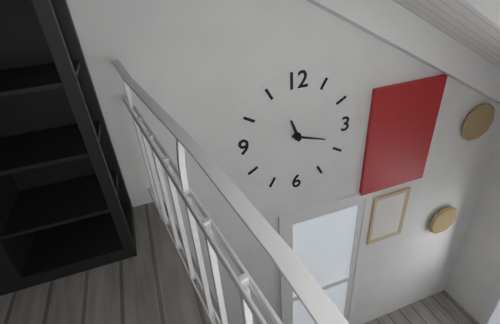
11:18
